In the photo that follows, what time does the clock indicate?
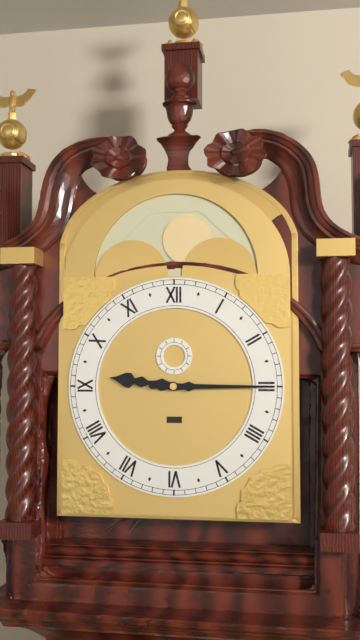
9:15
